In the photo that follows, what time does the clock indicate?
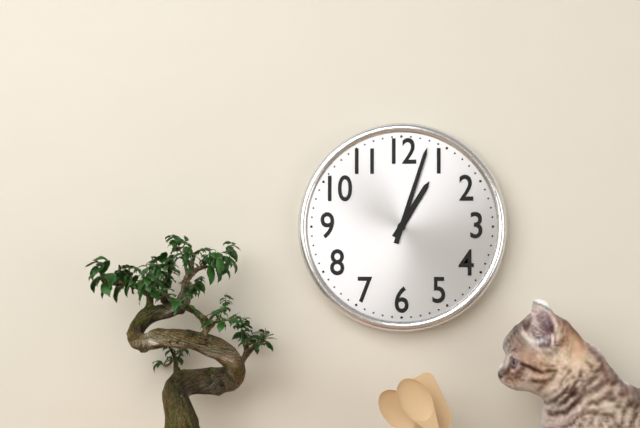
1:03
